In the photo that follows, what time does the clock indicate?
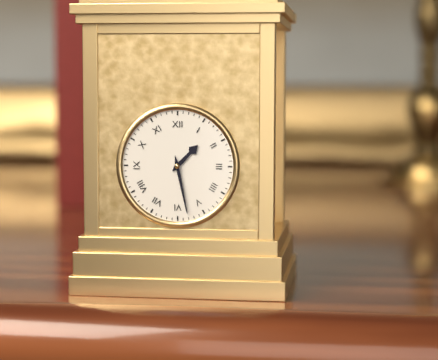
1:28
